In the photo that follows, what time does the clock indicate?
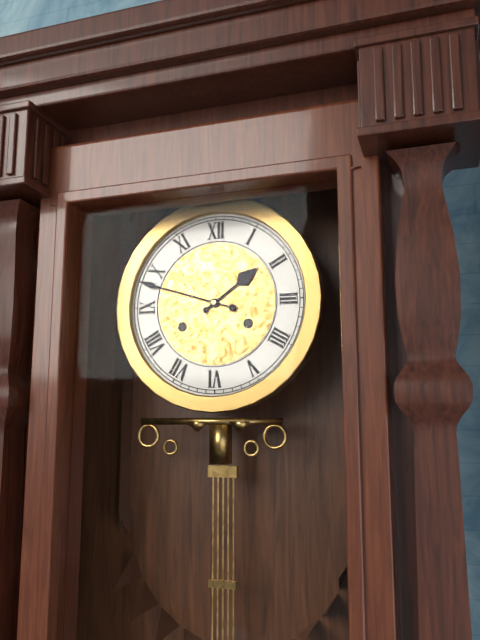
1:48
